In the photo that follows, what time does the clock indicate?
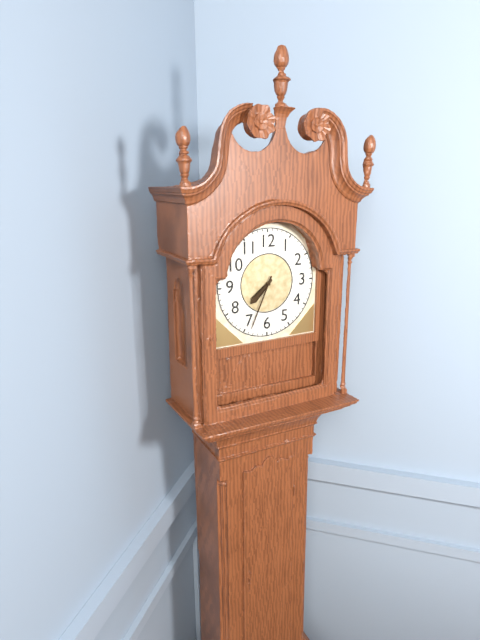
7:34
